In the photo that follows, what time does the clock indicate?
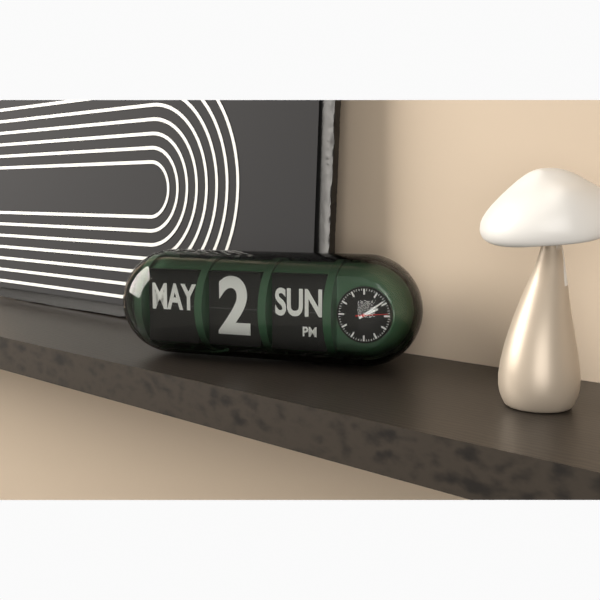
2:09
